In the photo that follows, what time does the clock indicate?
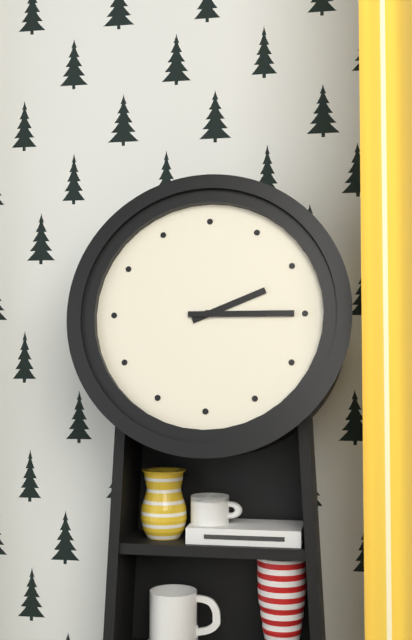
2:15
